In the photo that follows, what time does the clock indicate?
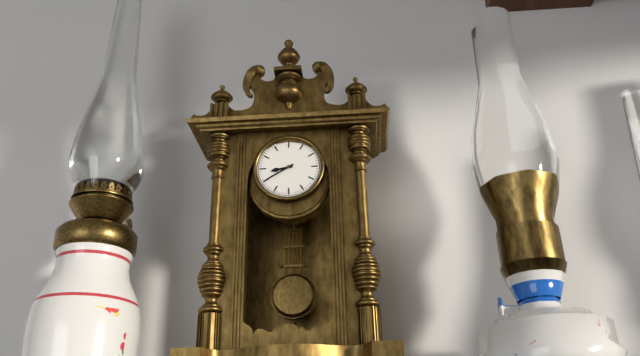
8:40
